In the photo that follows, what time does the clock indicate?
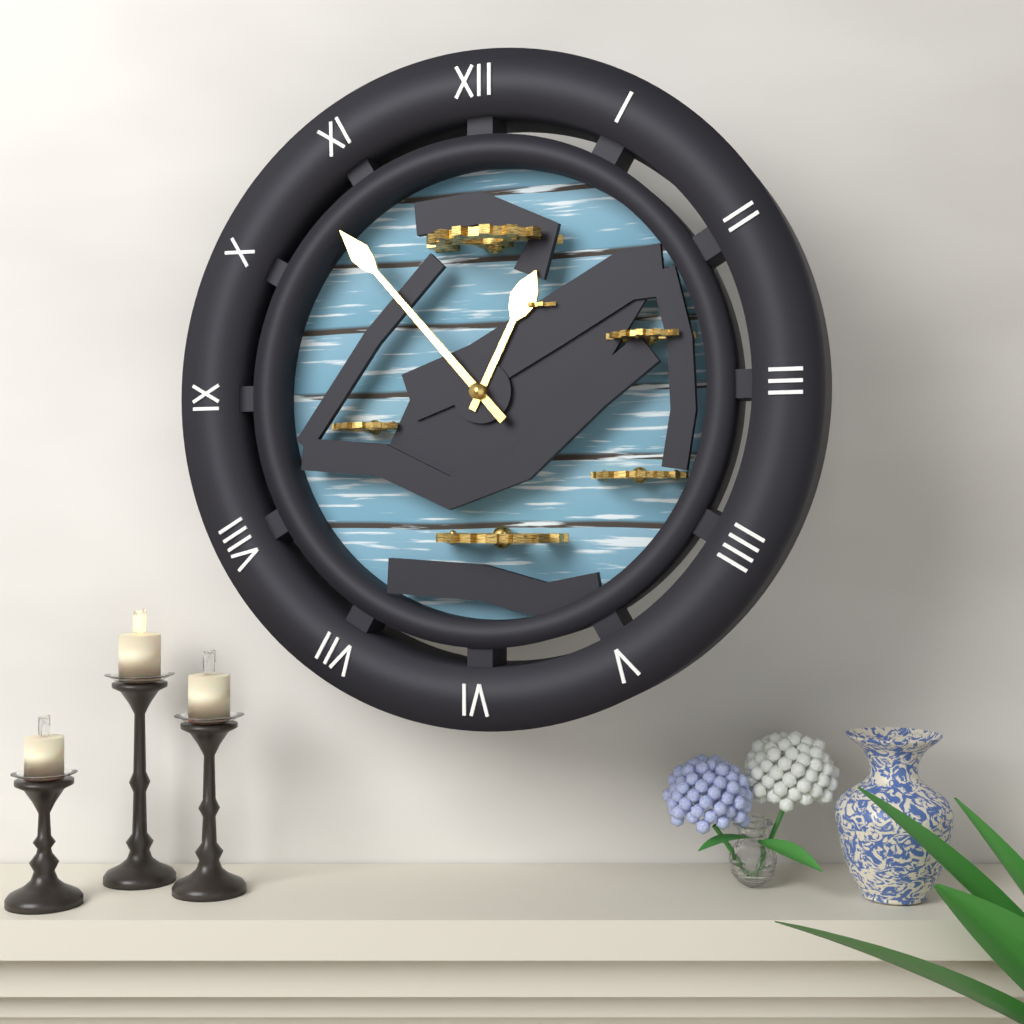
12:53
